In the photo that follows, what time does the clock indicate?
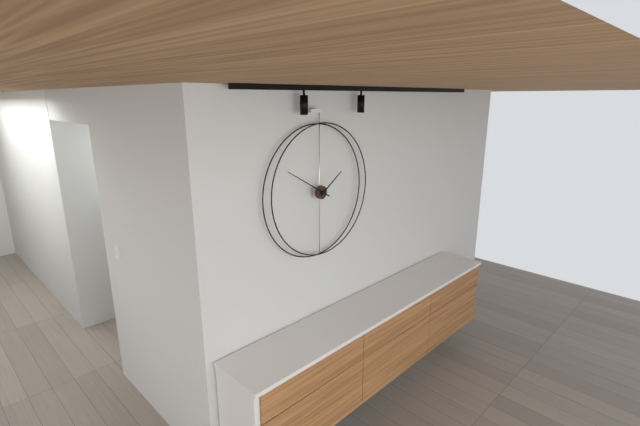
1:50
